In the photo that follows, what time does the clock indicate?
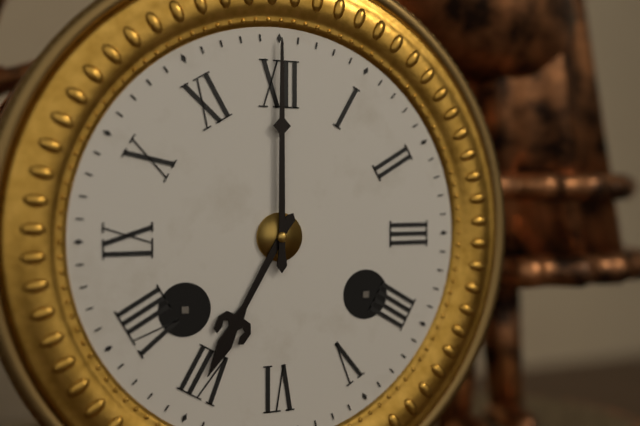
7:00
